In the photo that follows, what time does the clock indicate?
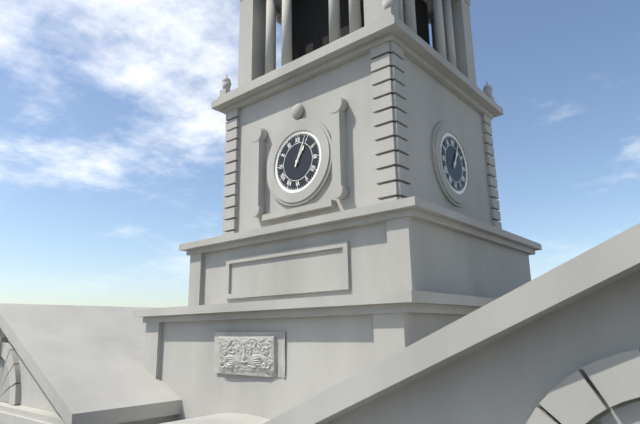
1:04
